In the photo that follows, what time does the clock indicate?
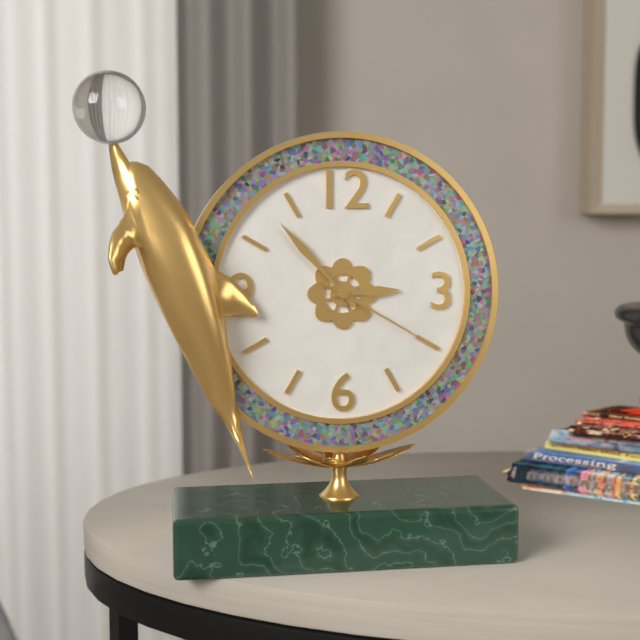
2:53:20
